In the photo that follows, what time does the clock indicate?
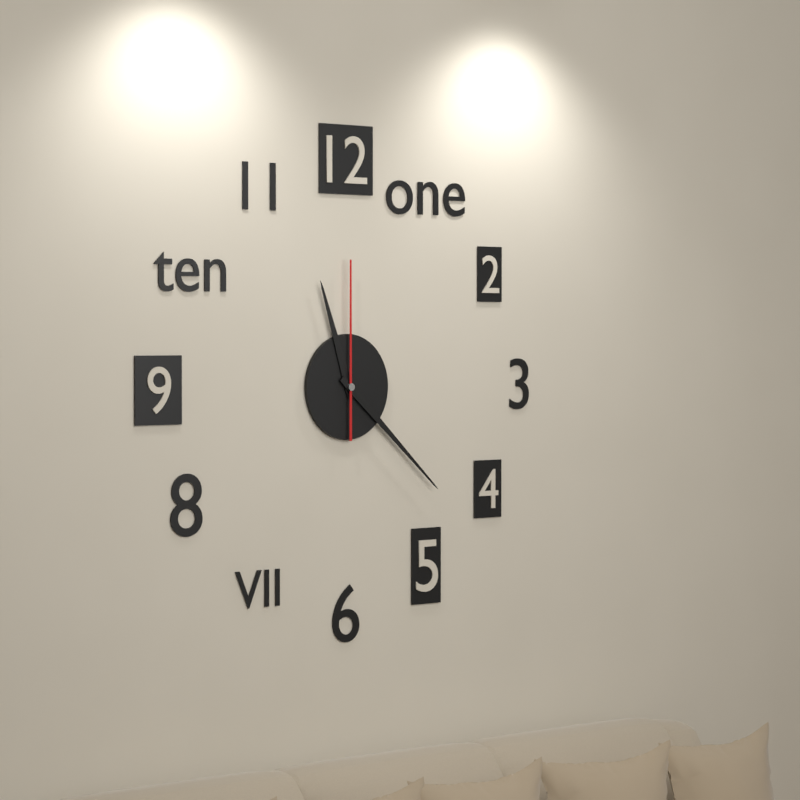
11:22:00
